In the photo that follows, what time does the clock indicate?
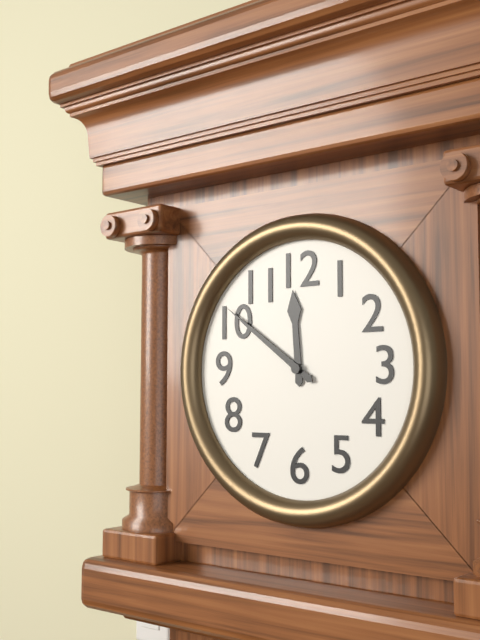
11:51
